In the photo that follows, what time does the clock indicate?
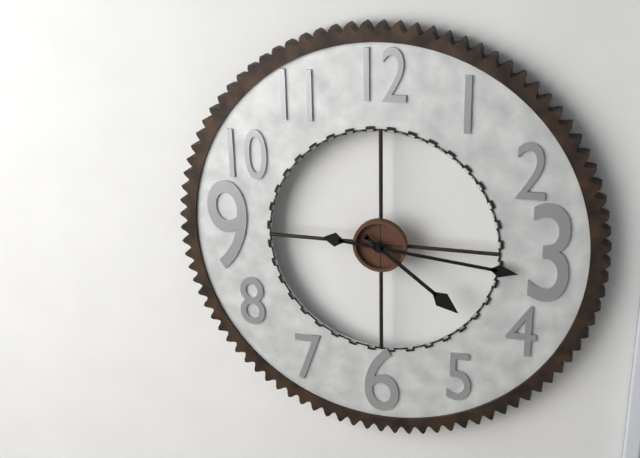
4:16
